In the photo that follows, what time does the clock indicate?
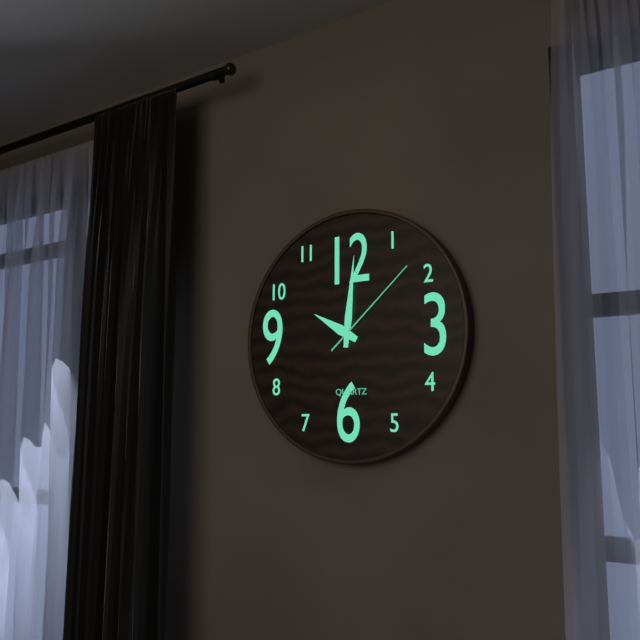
10:01:08
